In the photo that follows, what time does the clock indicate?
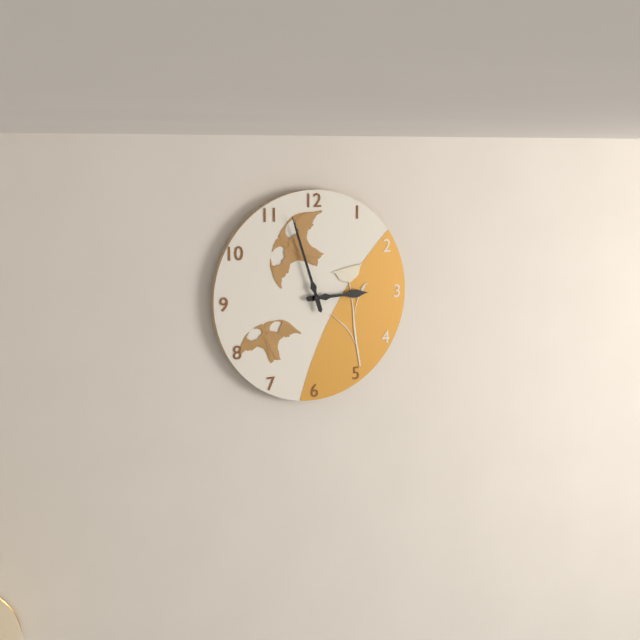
2:57
